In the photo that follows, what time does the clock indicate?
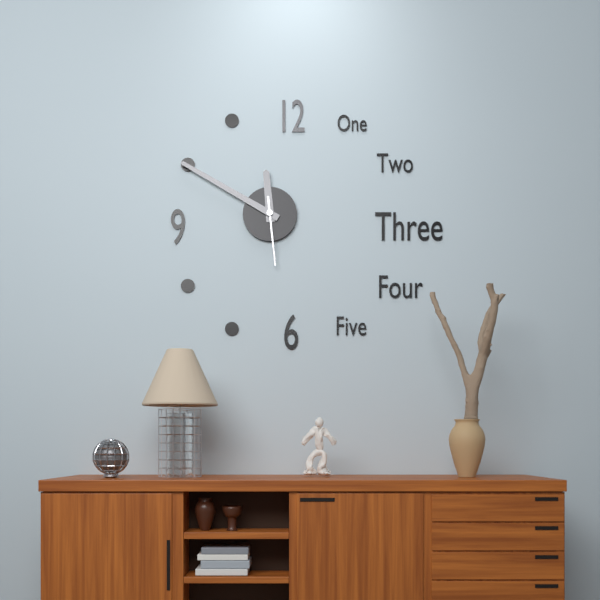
11:50:29
